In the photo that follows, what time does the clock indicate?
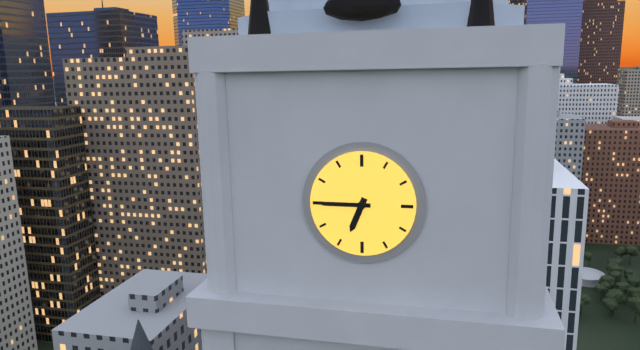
6:45
